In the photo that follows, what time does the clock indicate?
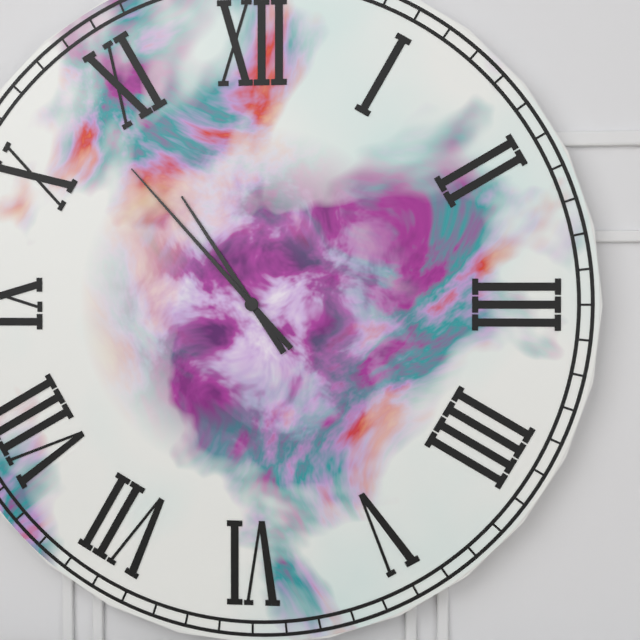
10:53
